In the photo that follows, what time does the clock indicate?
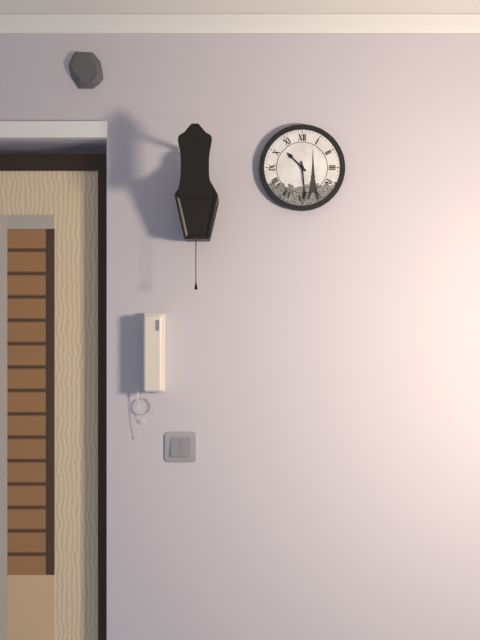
10:29
